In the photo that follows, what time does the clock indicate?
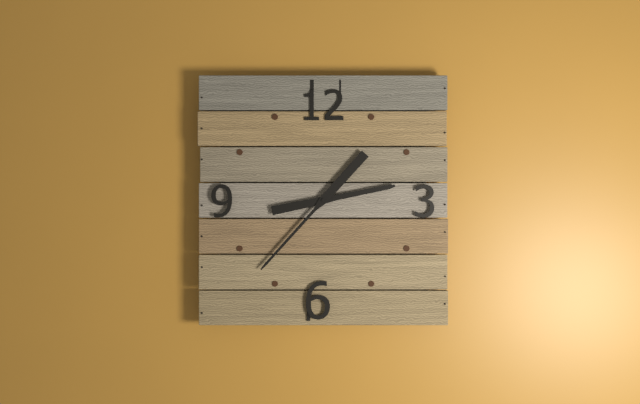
2:37
